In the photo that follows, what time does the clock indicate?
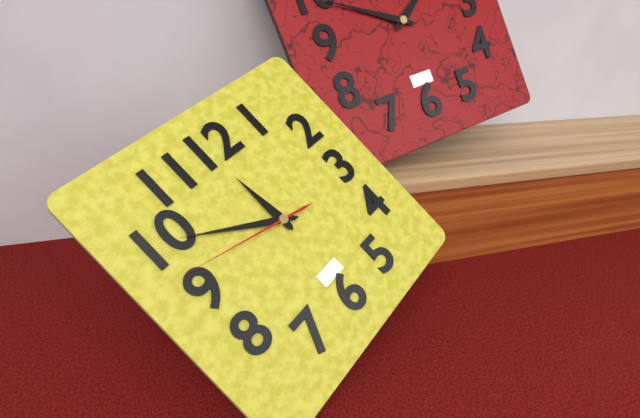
11:50:47
